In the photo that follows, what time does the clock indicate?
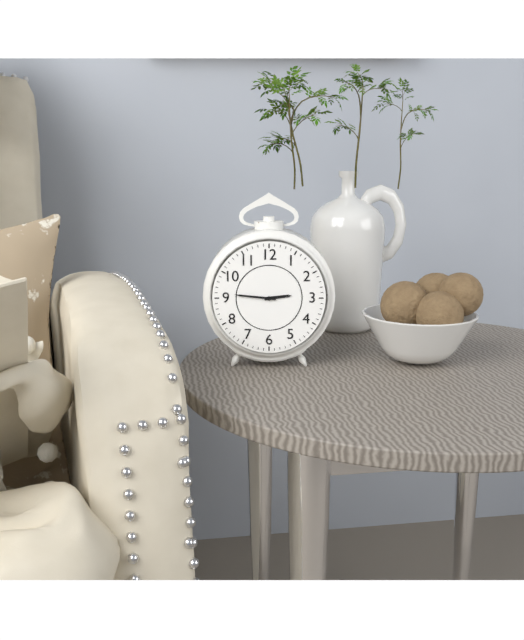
2:46
